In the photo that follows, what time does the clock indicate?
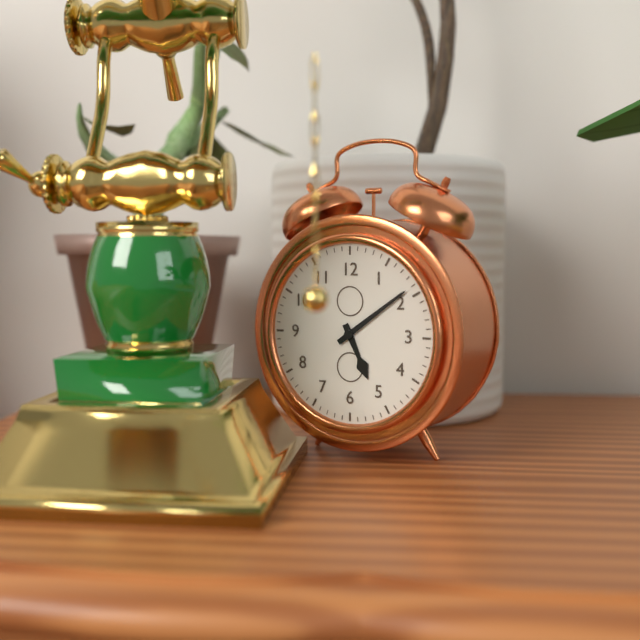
5:09
